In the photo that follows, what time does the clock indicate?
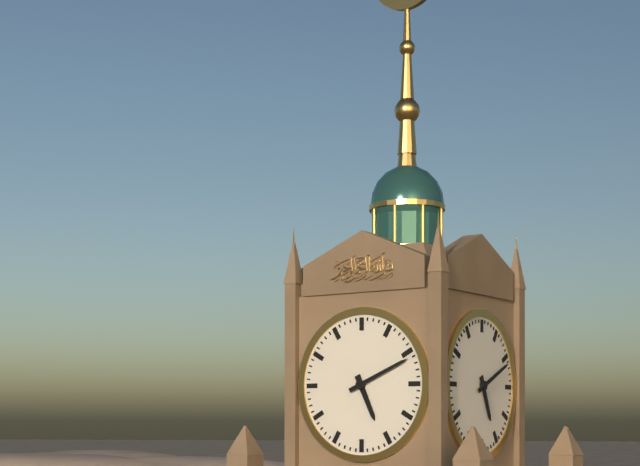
5:11
